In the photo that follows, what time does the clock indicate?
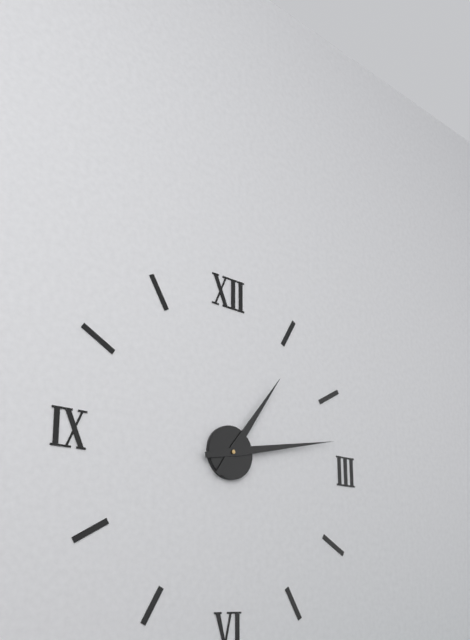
1:13
